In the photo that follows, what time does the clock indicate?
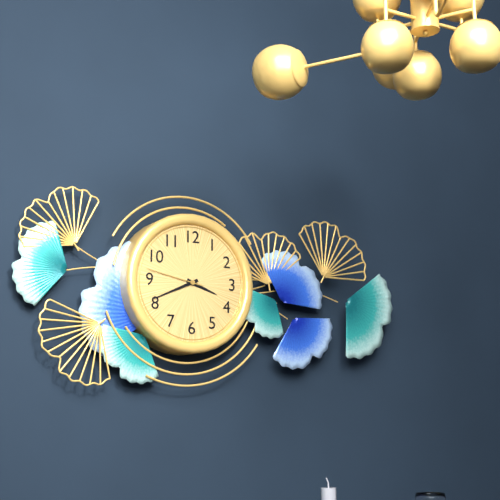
3:41:47
